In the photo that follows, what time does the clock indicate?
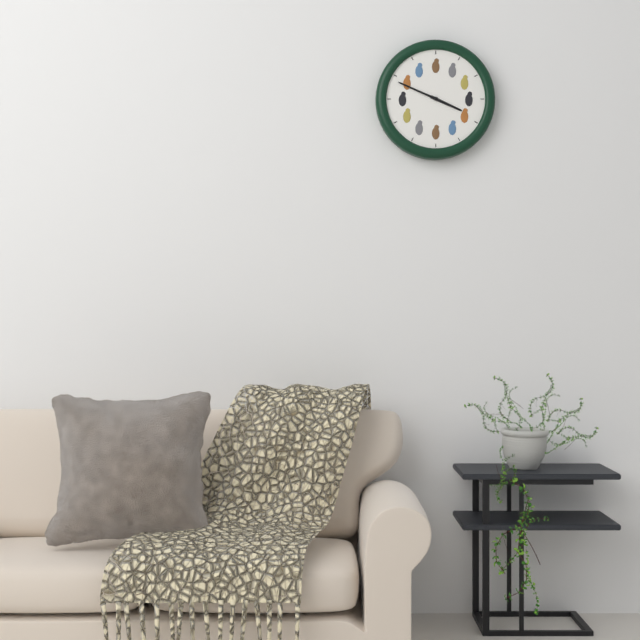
3:49
